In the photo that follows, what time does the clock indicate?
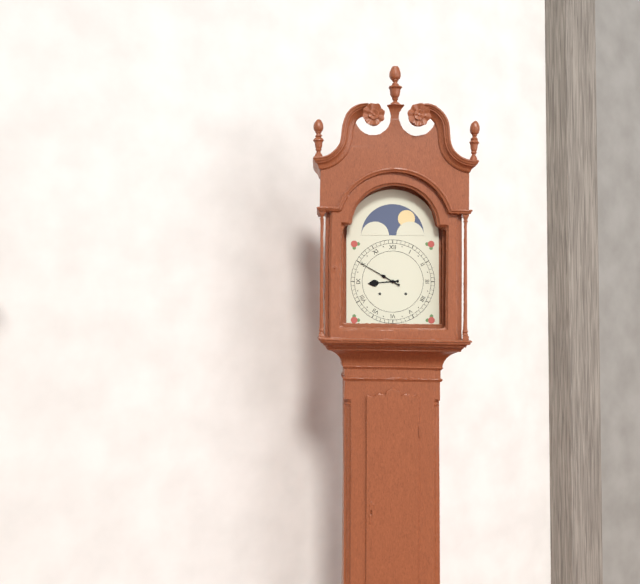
8:50
